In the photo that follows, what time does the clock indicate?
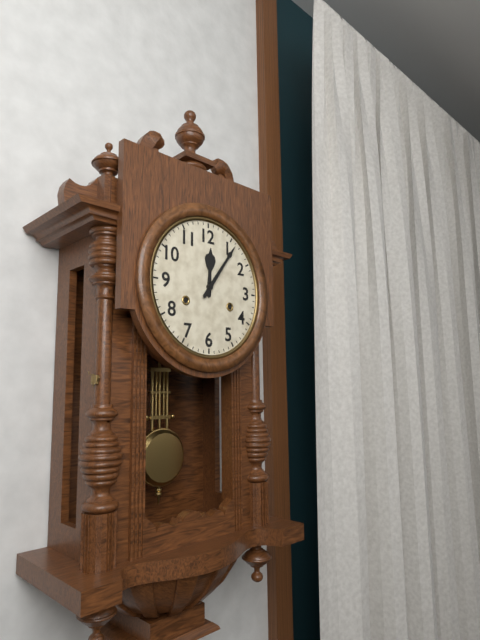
12:06
